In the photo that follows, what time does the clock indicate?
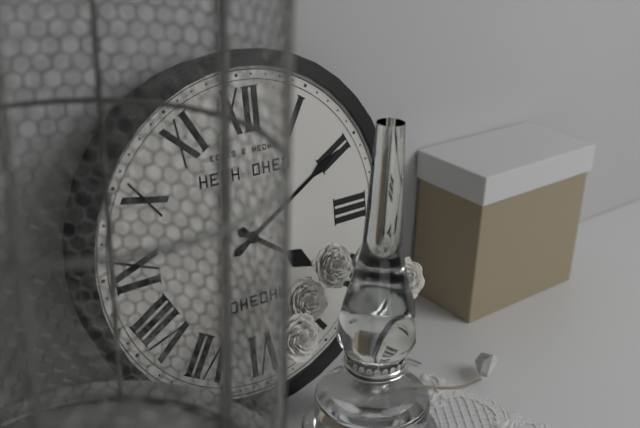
4:10
